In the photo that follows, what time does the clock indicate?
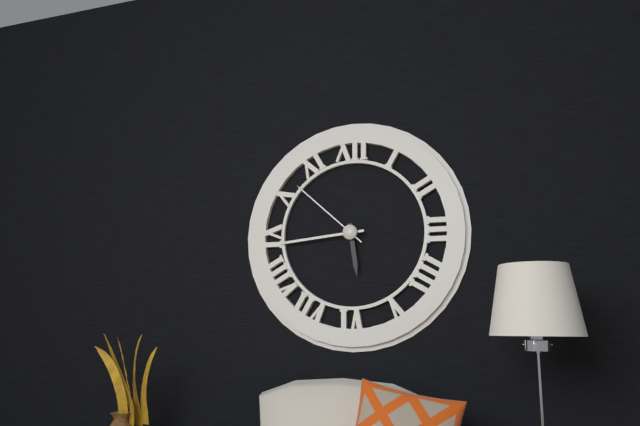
5:44:52
